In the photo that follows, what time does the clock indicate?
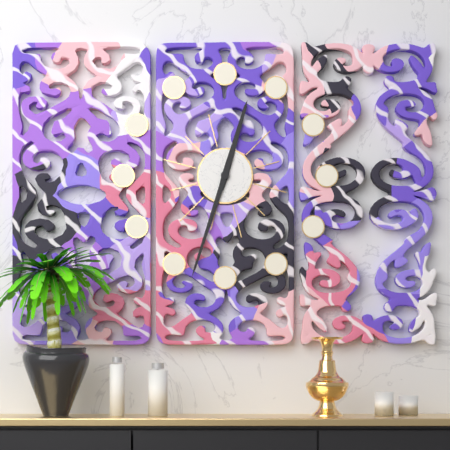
12:33
